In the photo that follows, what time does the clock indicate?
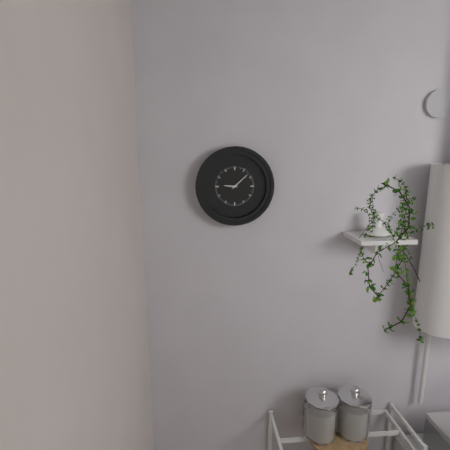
9:08
